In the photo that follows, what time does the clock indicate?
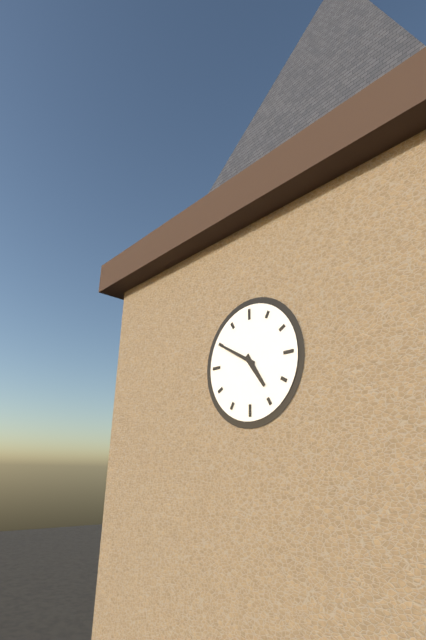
4:50
